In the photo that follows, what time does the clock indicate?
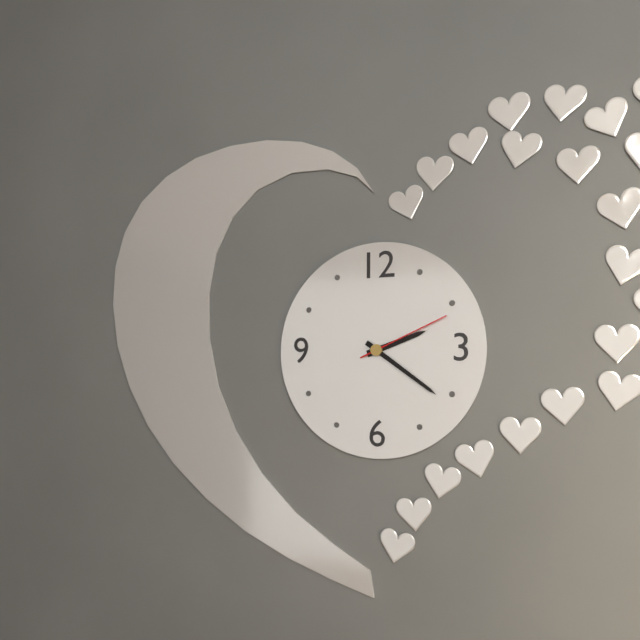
2:21:11
